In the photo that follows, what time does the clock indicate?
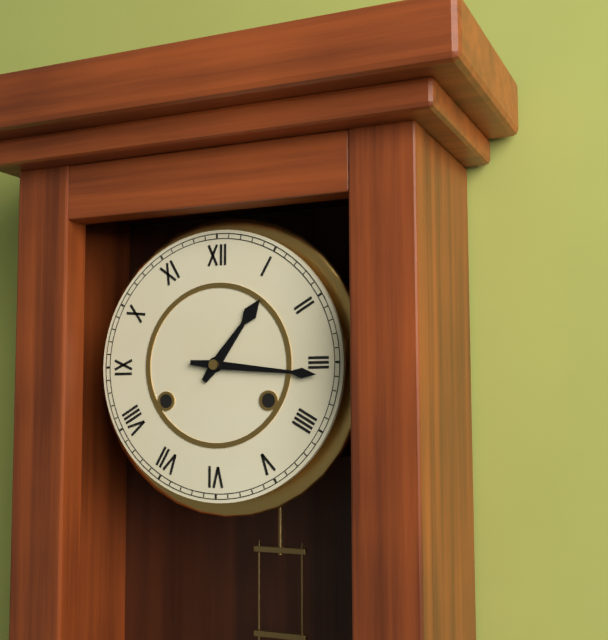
1:16
